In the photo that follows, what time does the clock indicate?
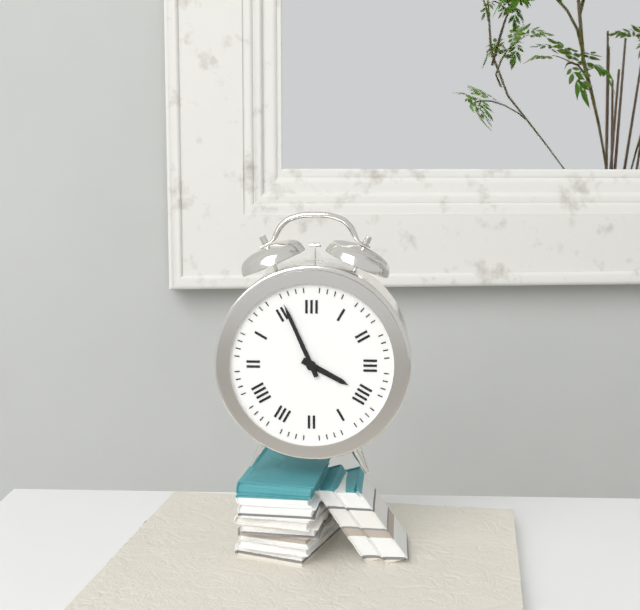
3:56
